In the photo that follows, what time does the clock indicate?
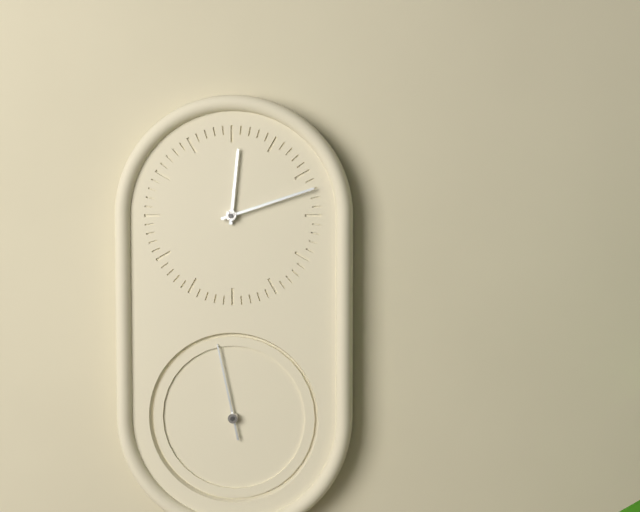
12:12:58
